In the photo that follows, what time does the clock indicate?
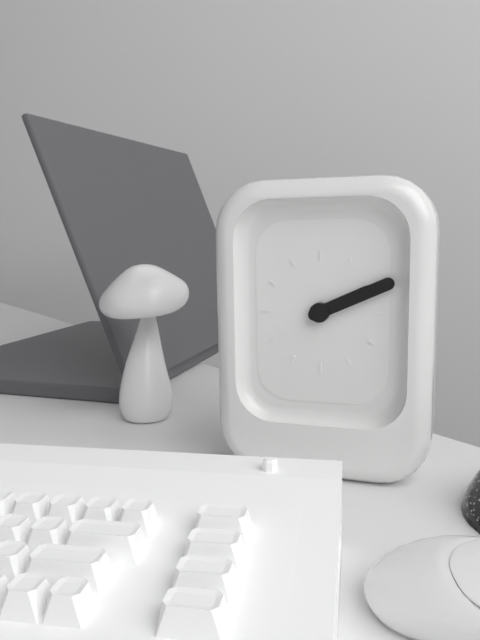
2:11
